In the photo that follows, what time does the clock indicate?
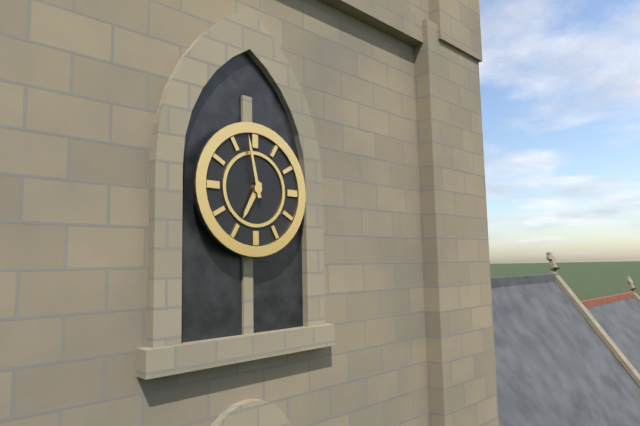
6:58
